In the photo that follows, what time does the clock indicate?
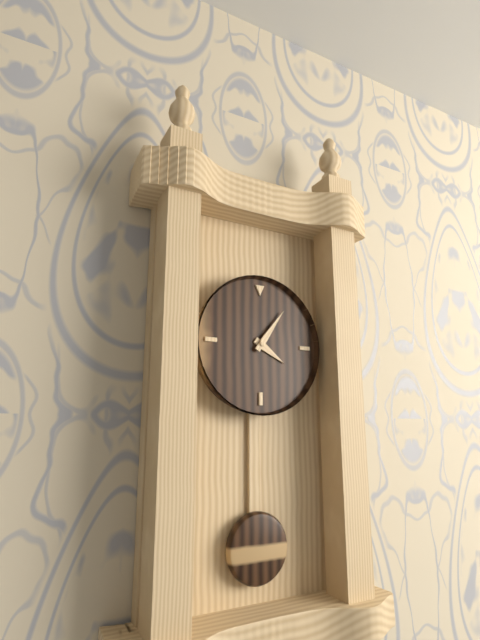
4:06
